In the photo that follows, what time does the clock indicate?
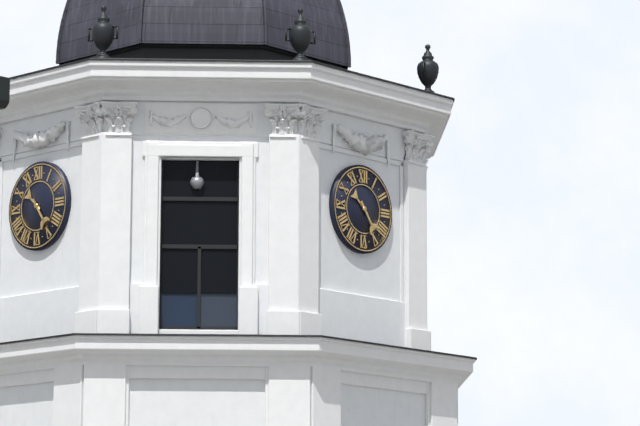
10:24
